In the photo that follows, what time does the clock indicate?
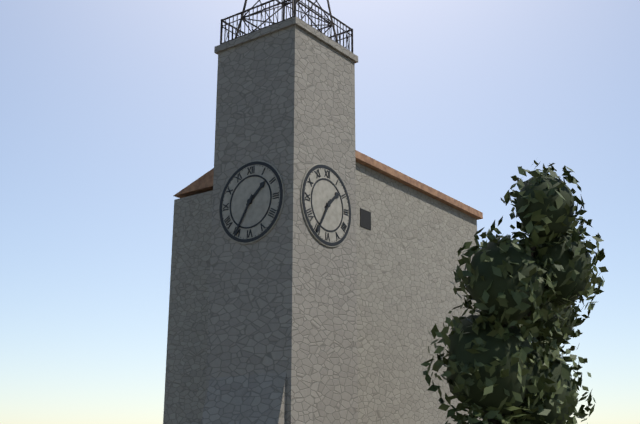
1:35
